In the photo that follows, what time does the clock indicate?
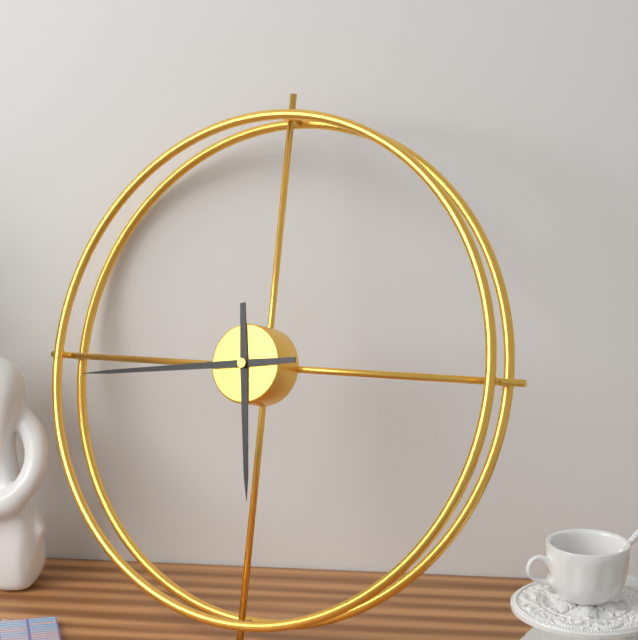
5:44
